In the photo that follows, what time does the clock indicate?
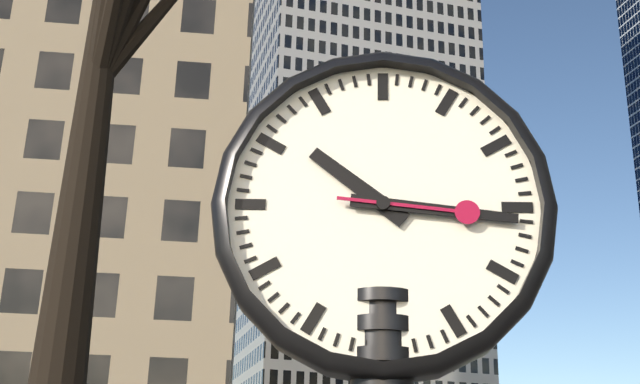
10:16:16
